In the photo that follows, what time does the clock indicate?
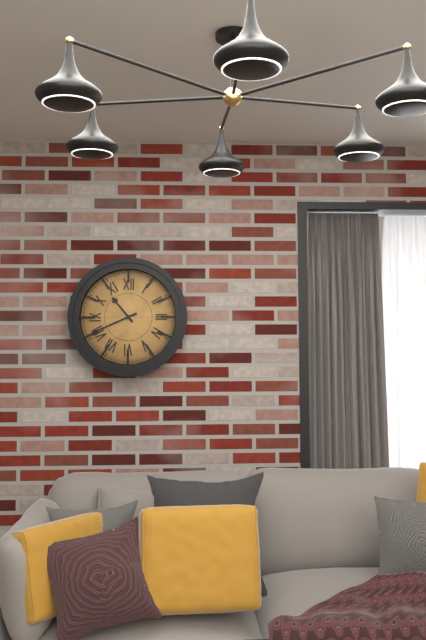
10:41
